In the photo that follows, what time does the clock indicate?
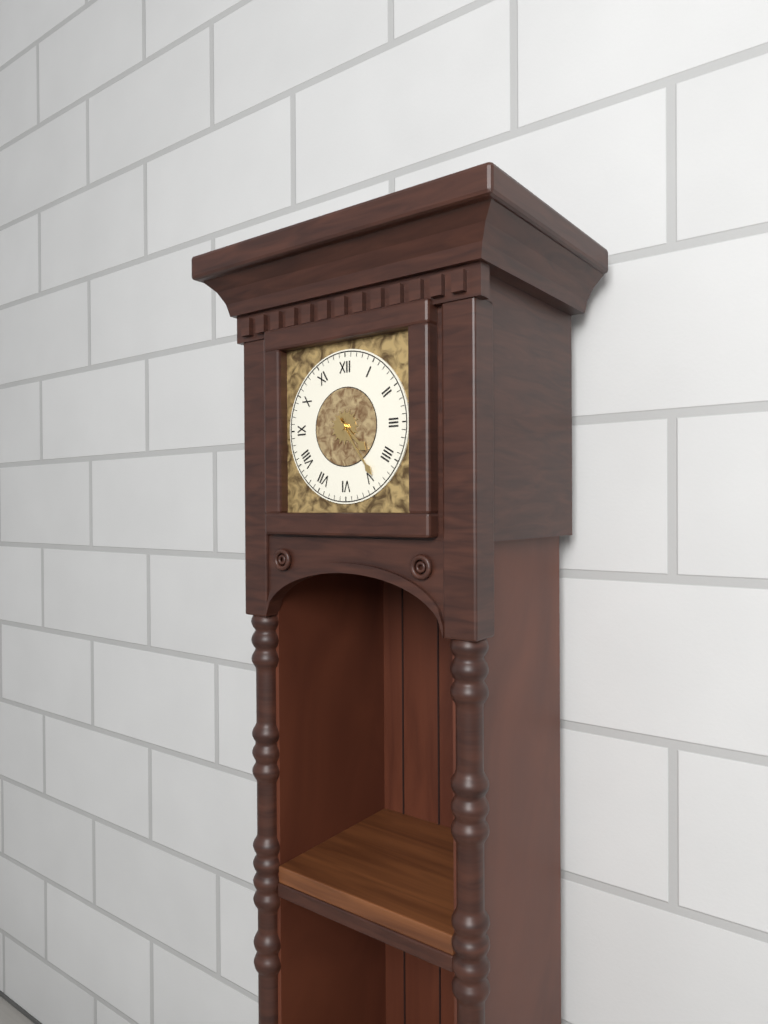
4:24
